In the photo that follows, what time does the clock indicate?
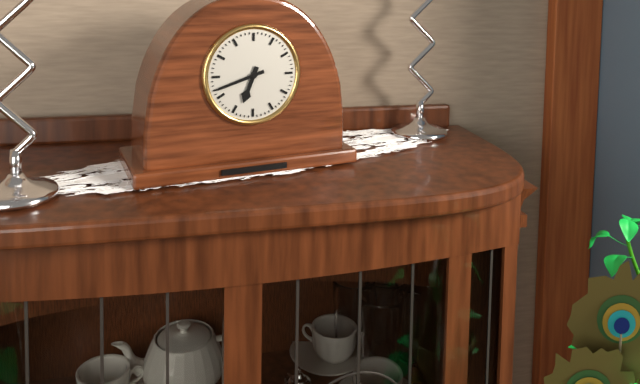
6:42
